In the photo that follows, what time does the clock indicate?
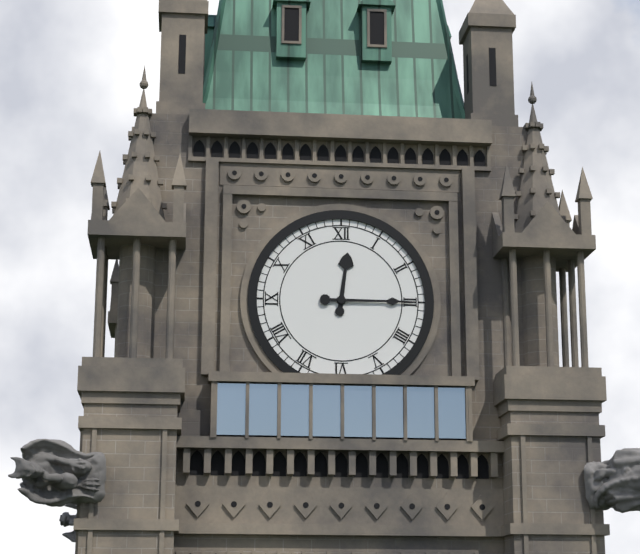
12:15
